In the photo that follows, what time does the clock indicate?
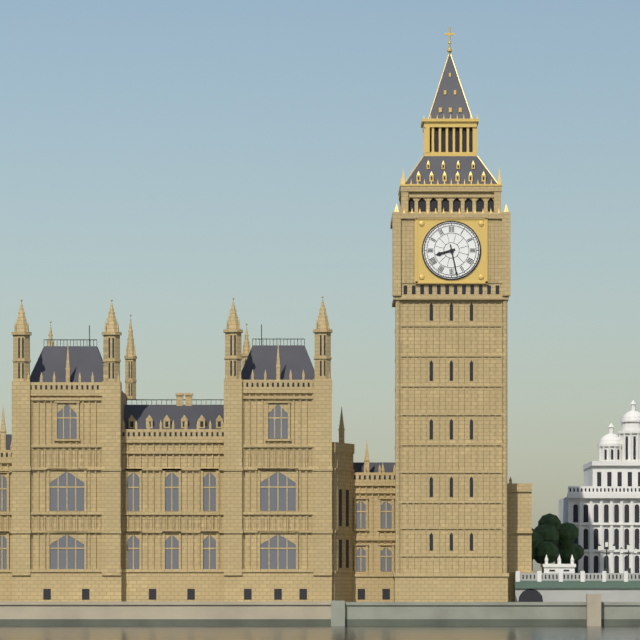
8:28
